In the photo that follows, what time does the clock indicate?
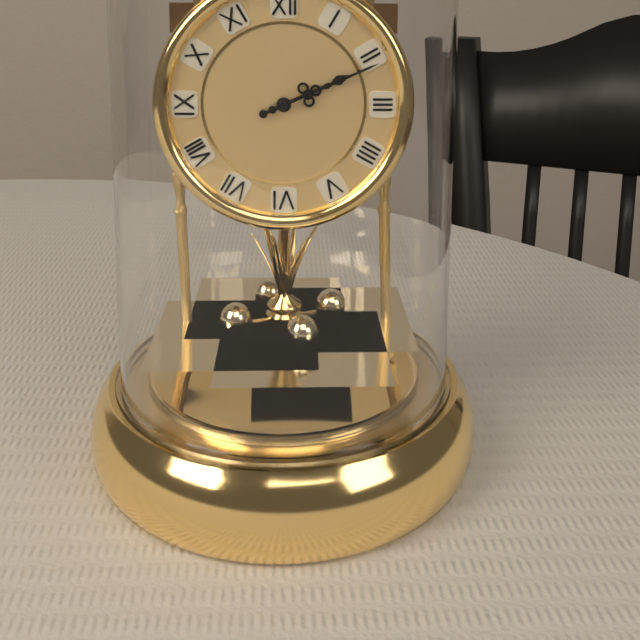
2:11
